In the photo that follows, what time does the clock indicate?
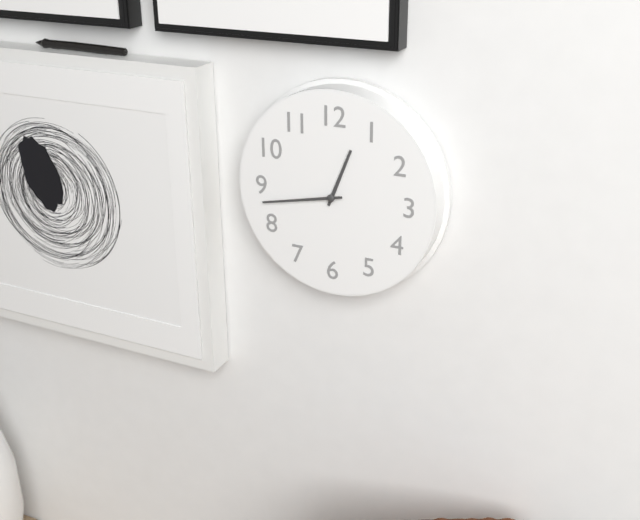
12:43
